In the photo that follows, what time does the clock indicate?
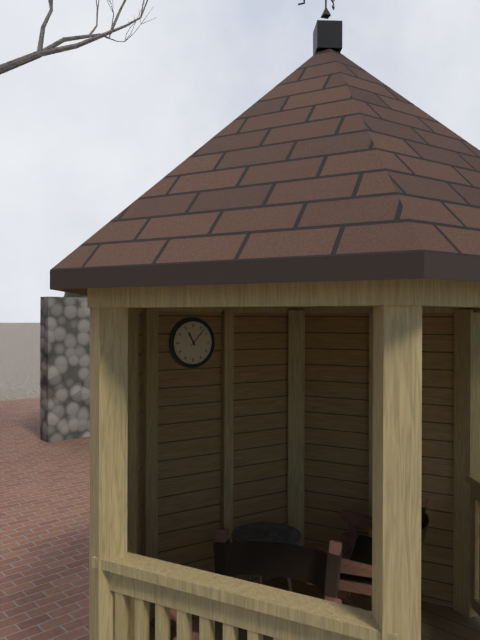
11:07
